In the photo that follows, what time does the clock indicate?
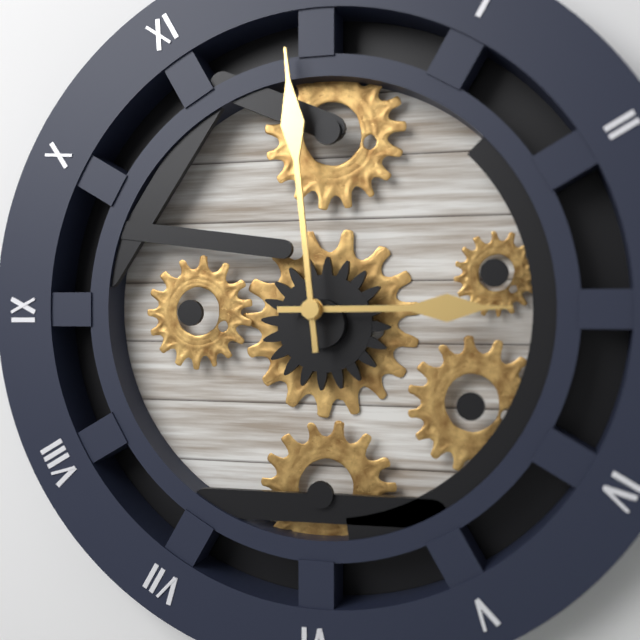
2:59
